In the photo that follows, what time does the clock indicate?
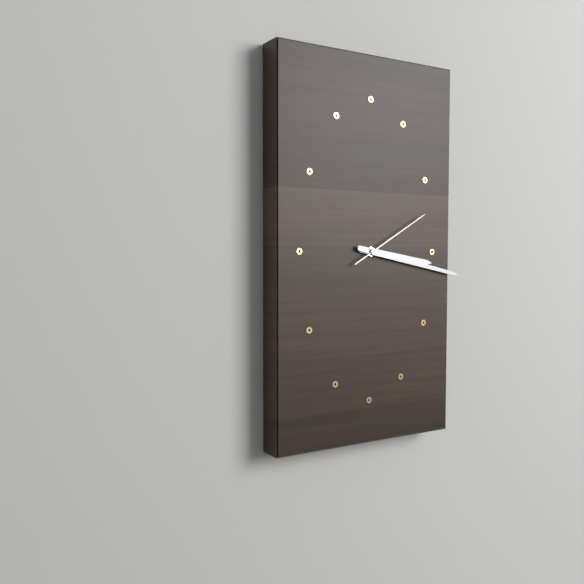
3:17:10
